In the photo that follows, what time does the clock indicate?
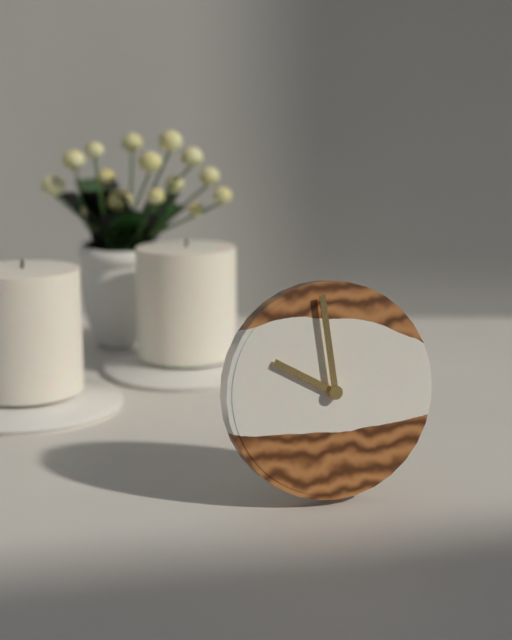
9:59
